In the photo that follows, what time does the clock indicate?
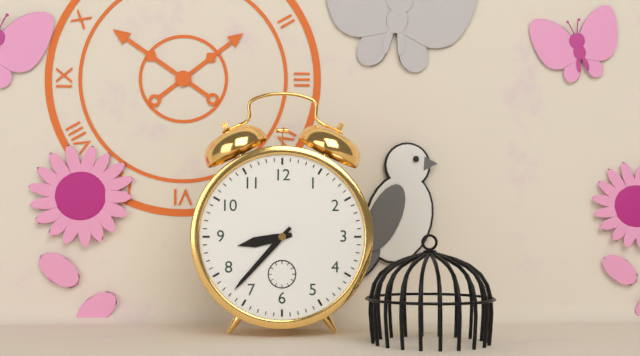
8:37
